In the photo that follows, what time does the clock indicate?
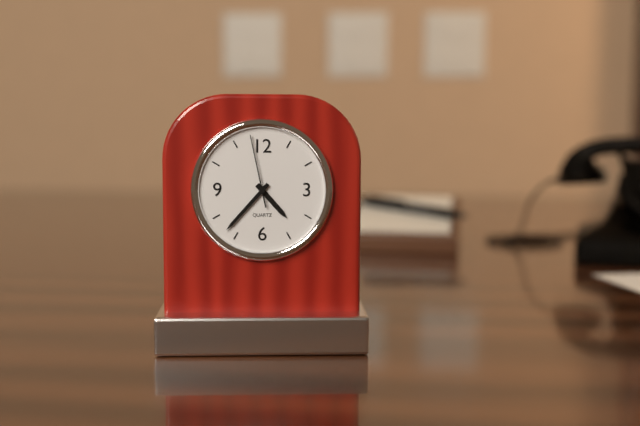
4:37:58
